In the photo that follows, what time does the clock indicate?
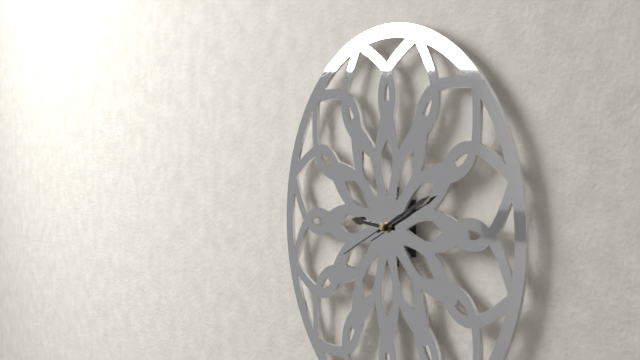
9:11:41
